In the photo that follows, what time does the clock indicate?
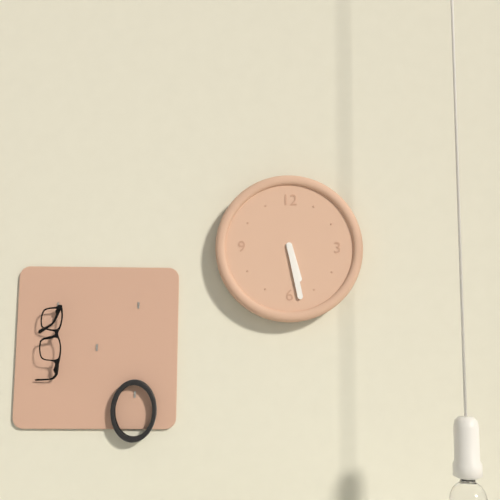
5:28
